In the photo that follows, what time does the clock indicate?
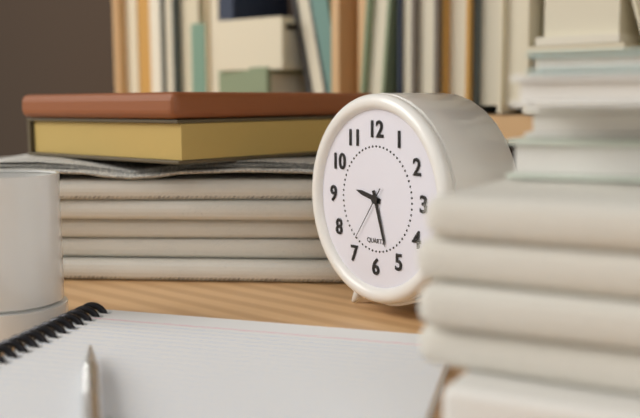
9:27:36
